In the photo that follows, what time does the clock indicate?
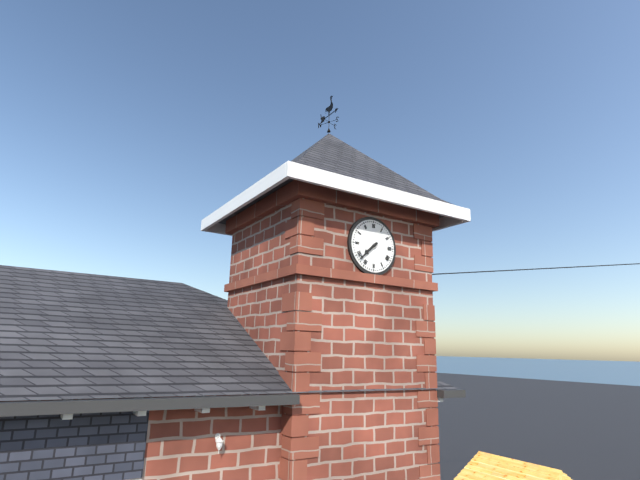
7:38
